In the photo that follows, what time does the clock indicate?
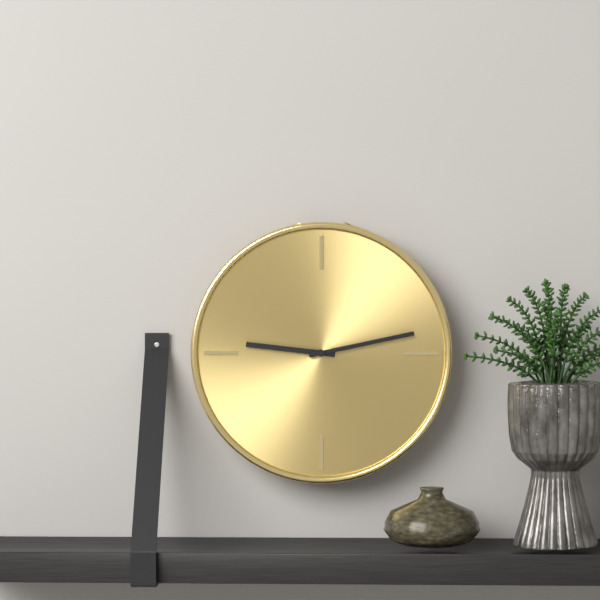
9:13
